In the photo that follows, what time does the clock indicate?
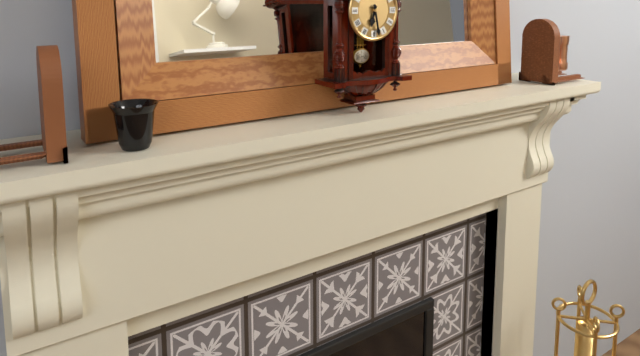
6:28
